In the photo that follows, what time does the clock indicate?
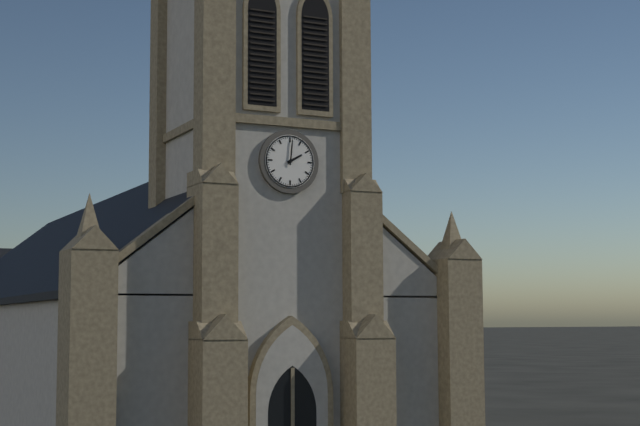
2:01
